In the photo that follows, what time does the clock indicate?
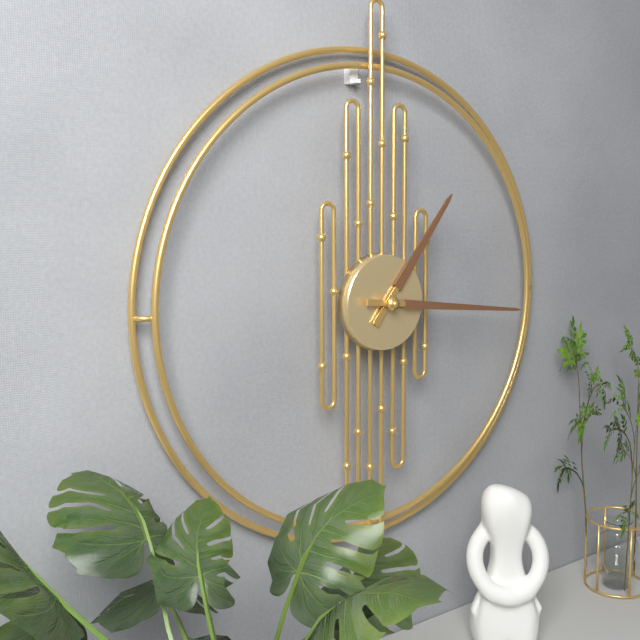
1:16
